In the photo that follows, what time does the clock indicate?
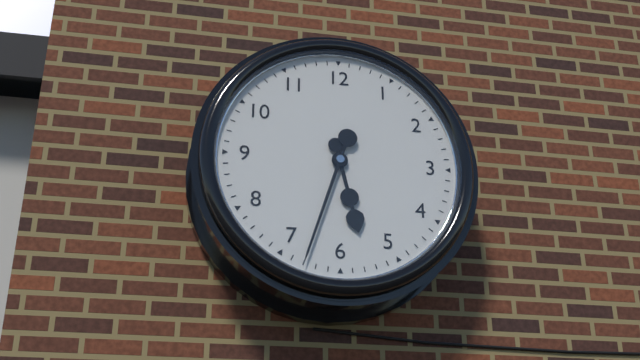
5:33
